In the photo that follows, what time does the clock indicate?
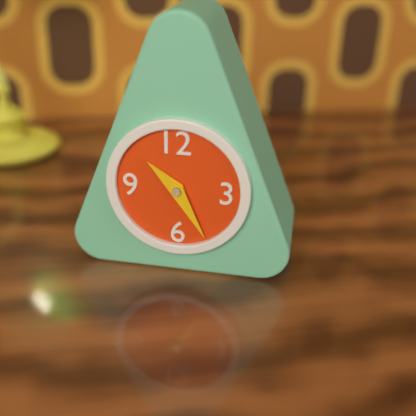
10:25
